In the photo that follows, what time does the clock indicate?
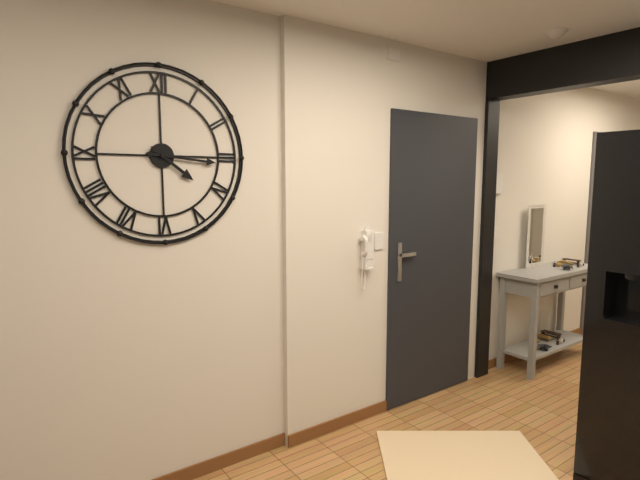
4:16
